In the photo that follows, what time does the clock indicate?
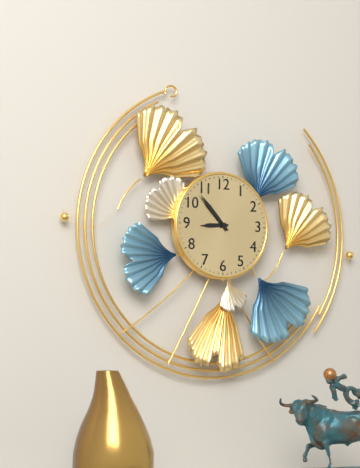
8:53
